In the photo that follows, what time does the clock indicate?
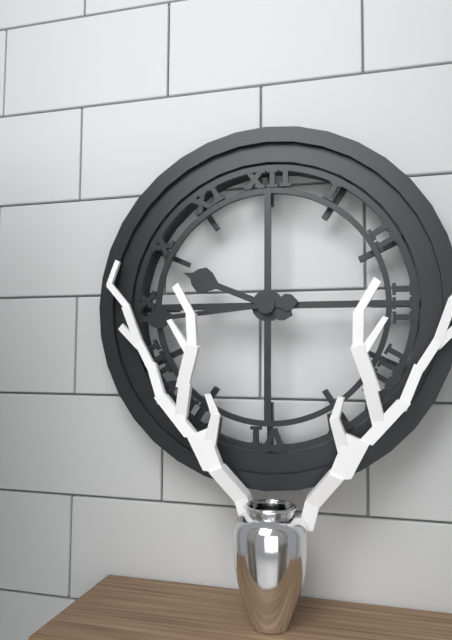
9:44
